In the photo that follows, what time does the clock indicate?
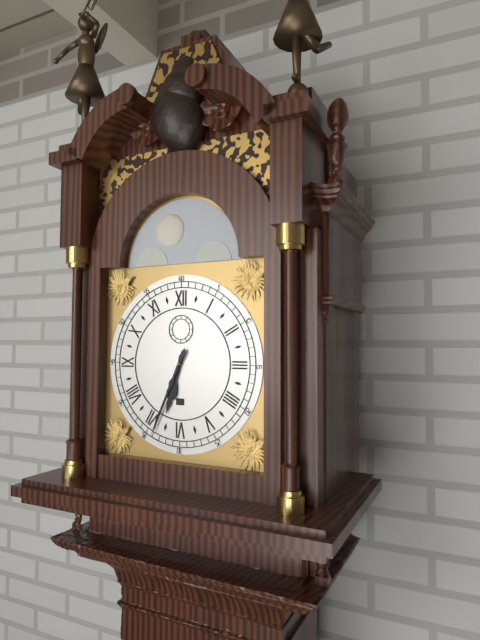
6:34
